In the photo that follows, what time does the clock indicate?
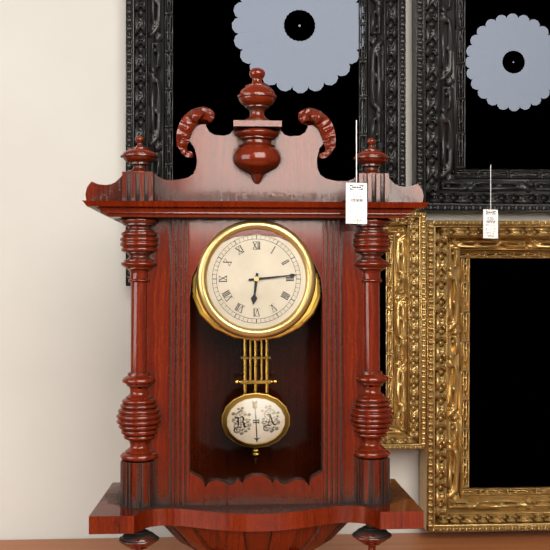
6:14
